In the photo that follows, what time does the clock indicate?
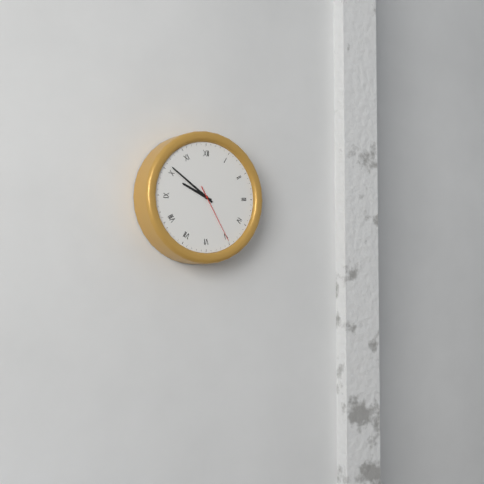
9:51:25
